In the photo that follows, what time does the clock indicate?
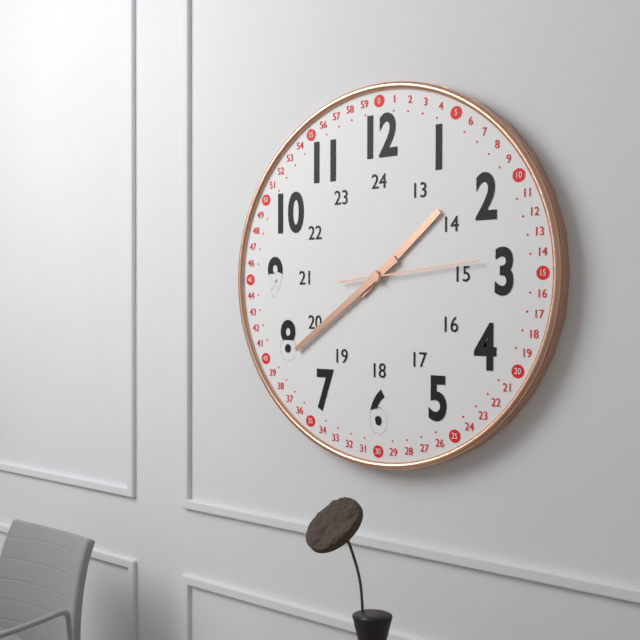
1:39:14
